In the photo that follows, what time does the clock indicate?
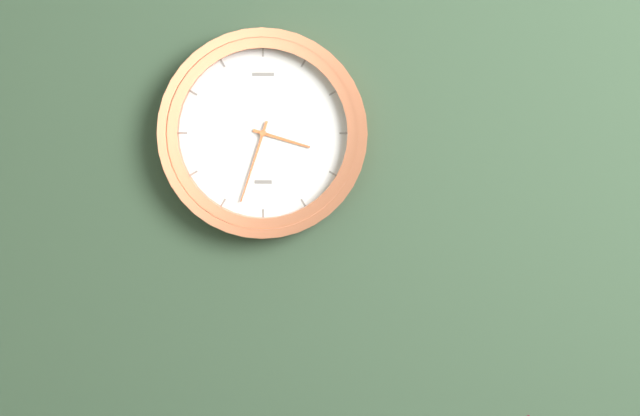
3:33
